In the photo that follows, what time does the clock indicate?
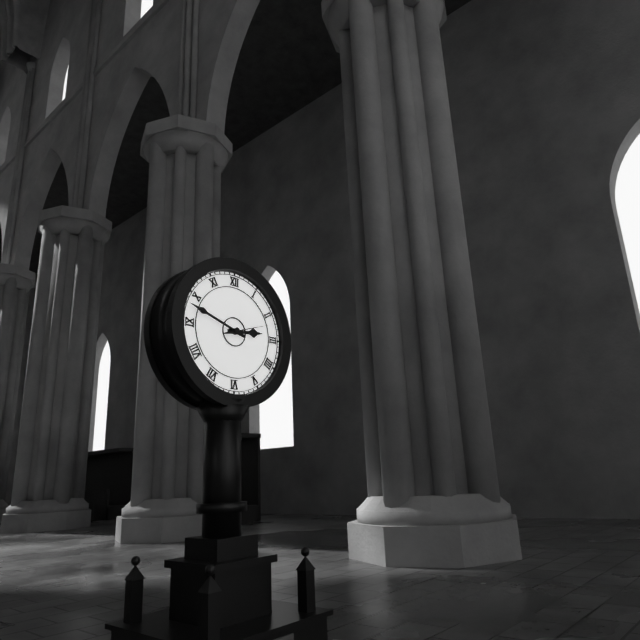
2:48
